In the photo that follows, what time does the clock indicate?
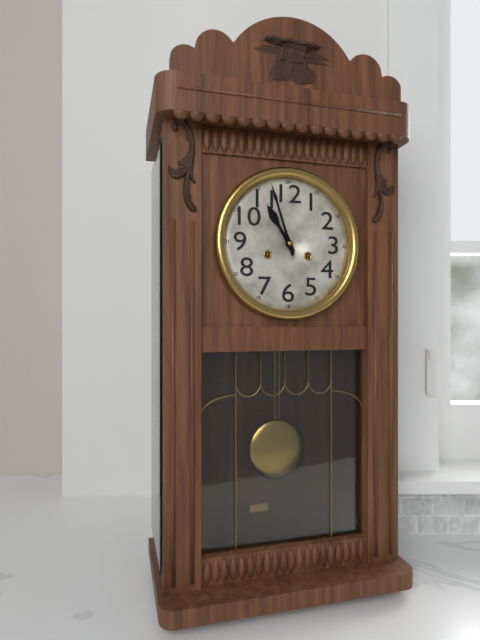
10:57
